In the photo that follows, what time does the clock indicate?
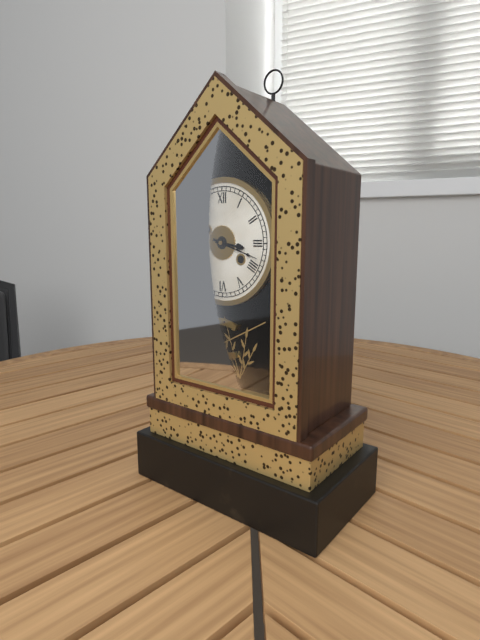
3:18
